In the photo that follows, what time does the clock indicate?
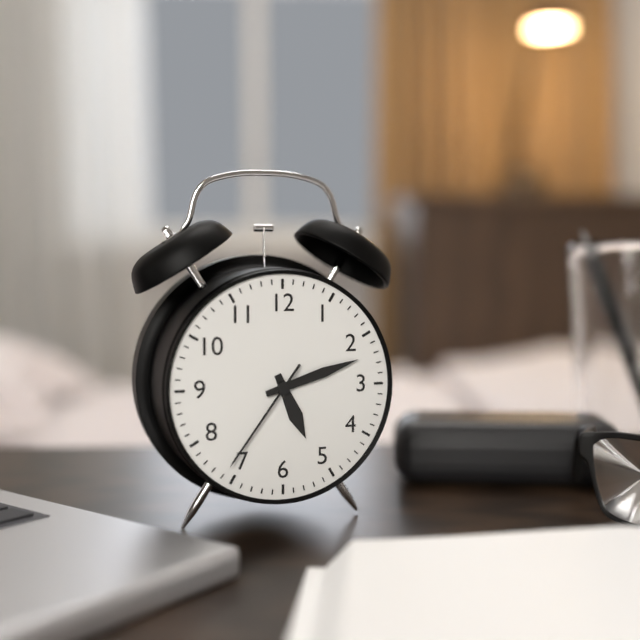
5:12:36
